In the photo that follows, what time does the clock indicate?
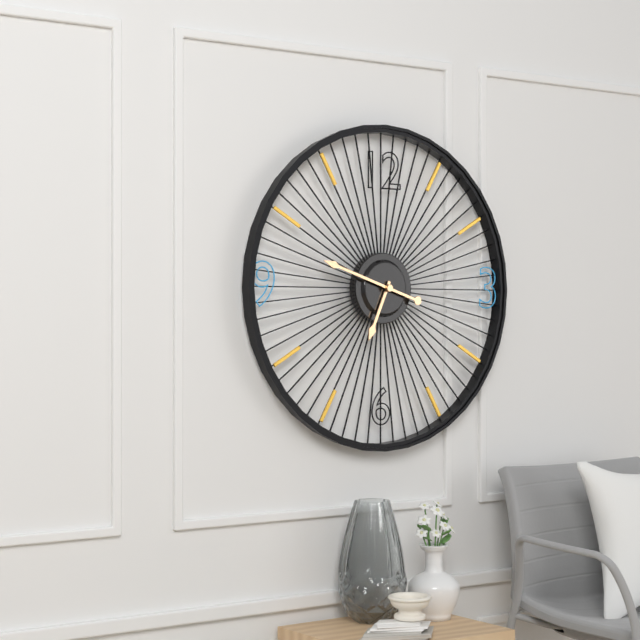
6:48
